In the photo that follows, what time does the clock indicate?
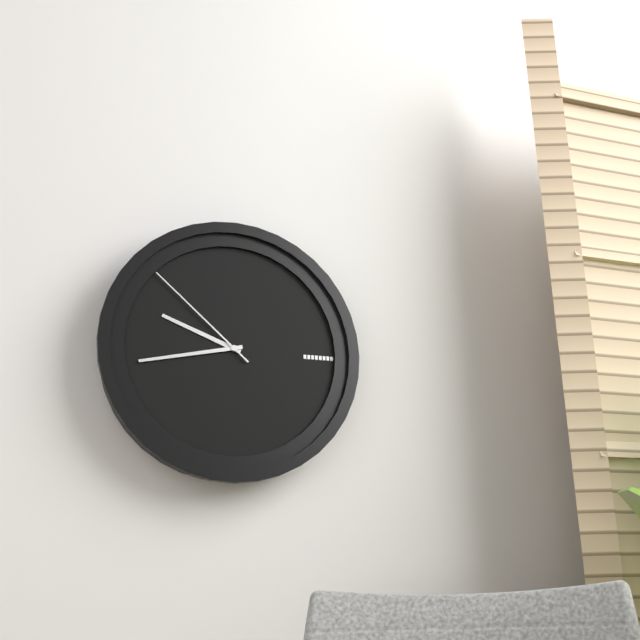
9:43:52
